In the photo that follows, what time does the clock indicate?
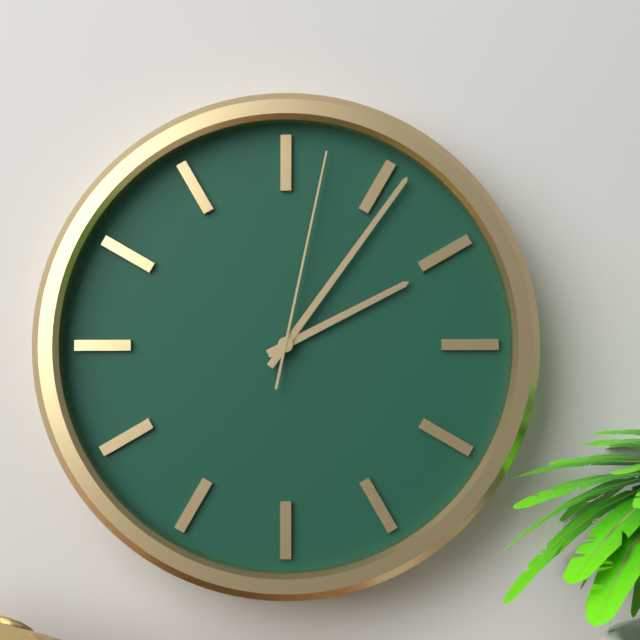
2:06:02
